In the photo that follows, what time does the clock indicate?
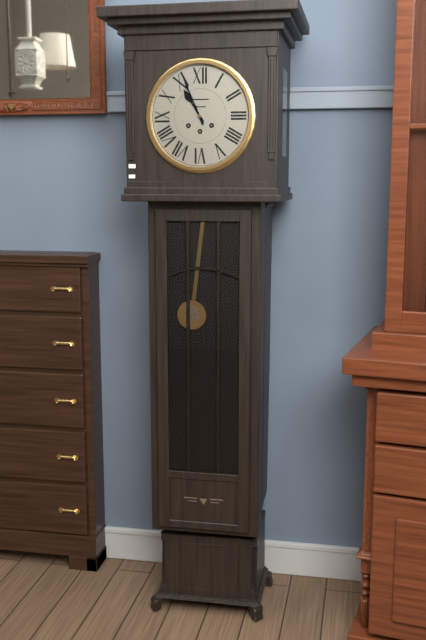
10:56
